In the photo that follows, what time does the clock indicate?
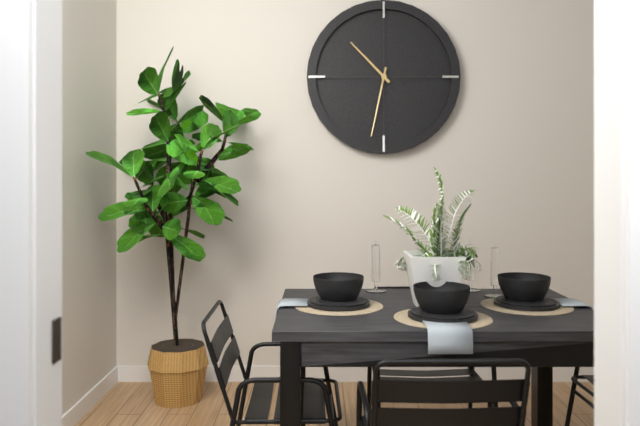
10:32
